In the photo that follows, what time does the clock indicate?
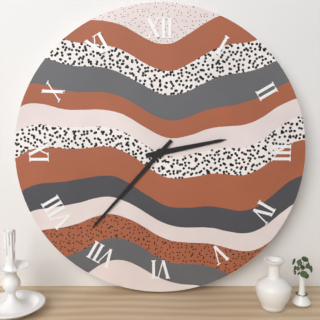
2:37
